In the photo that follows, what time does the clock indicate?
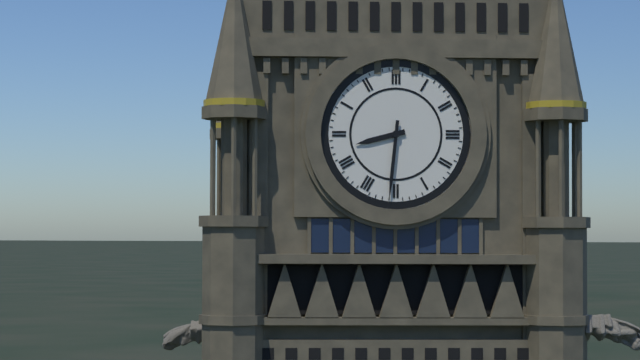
8:31
